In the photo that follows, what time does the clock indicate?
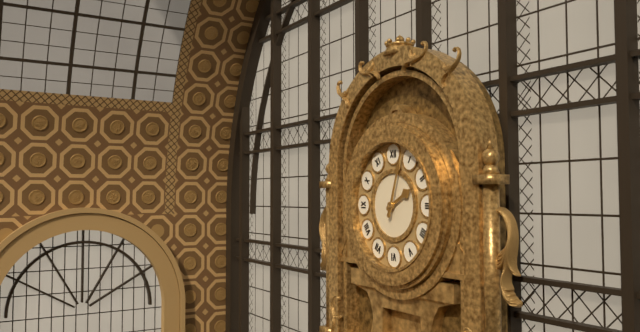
2:03
